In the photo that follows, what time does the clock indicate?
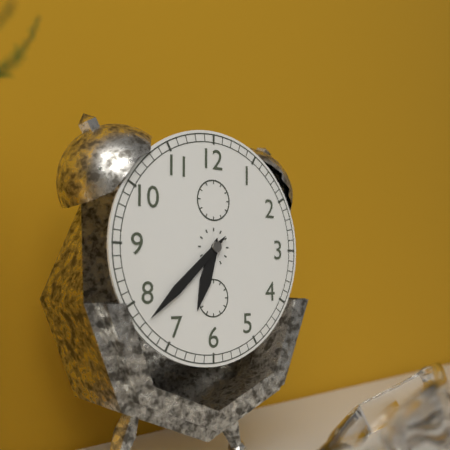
6:38
